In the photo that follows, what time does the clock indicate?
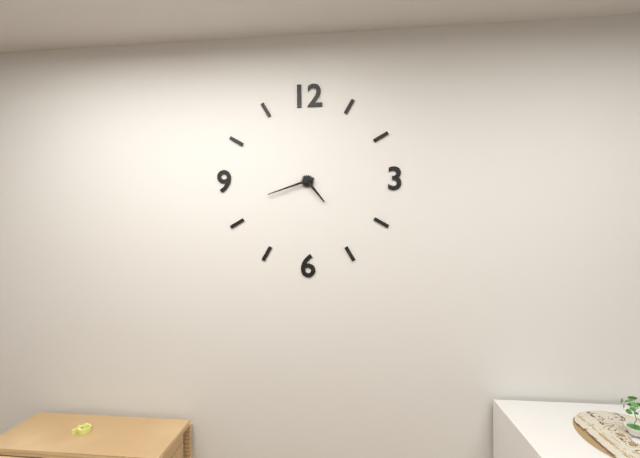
4:42
